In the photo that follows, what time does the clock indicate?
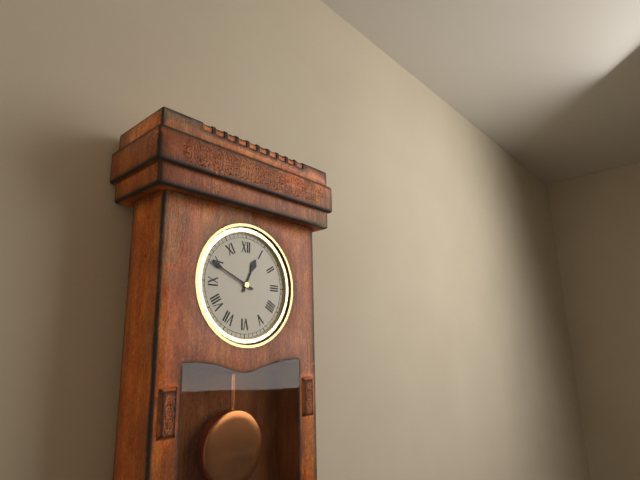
12:49
